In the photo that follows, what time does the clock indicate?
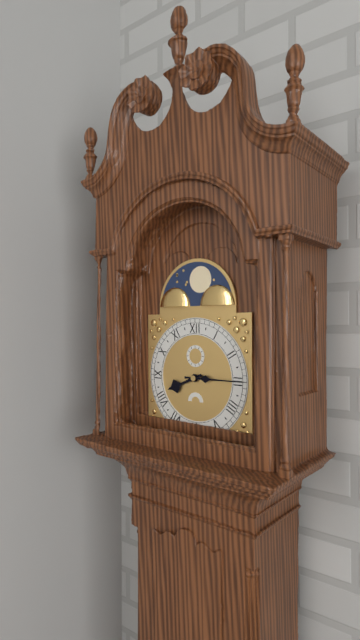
8:15
